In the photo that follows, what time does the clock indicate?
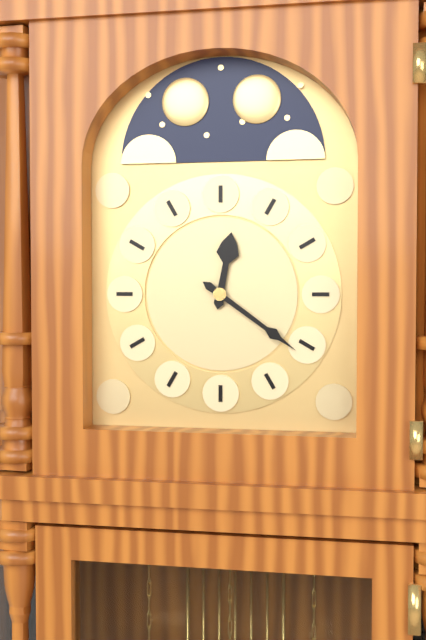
12:21
